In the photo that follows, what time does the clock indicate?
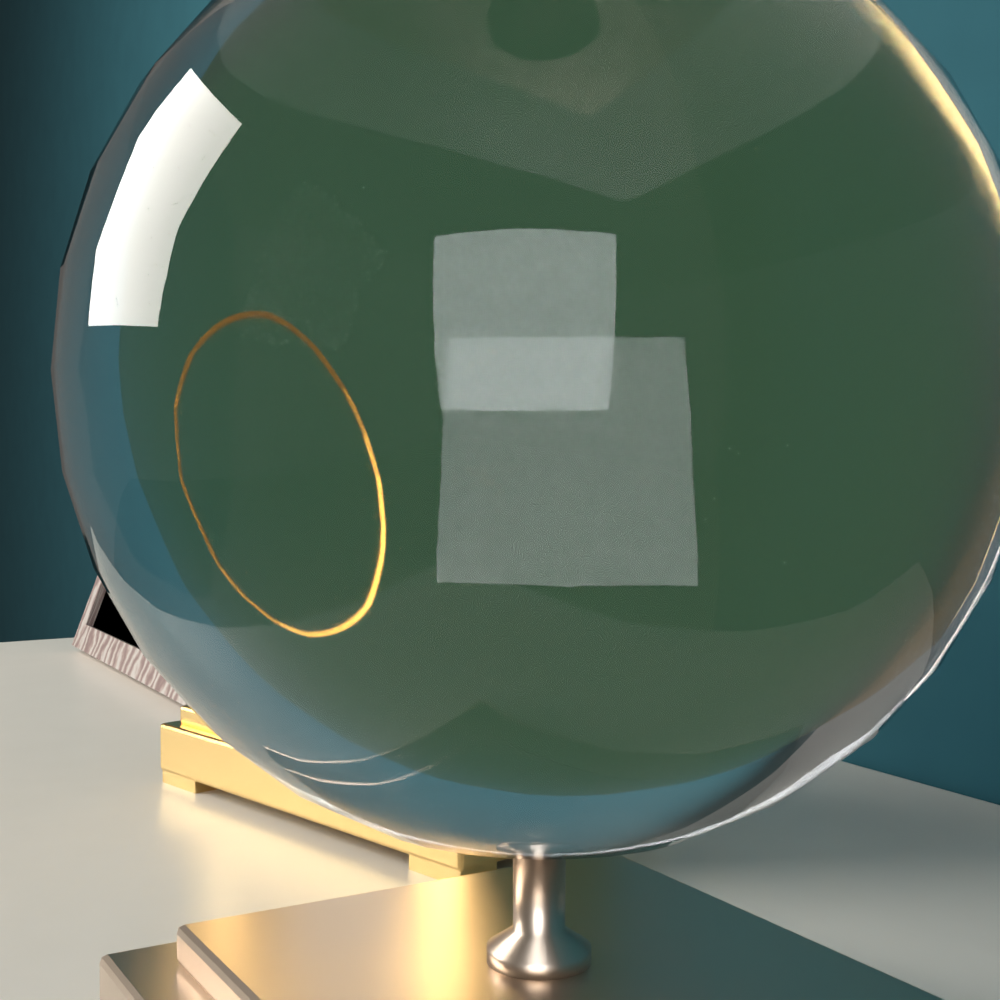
7:06
